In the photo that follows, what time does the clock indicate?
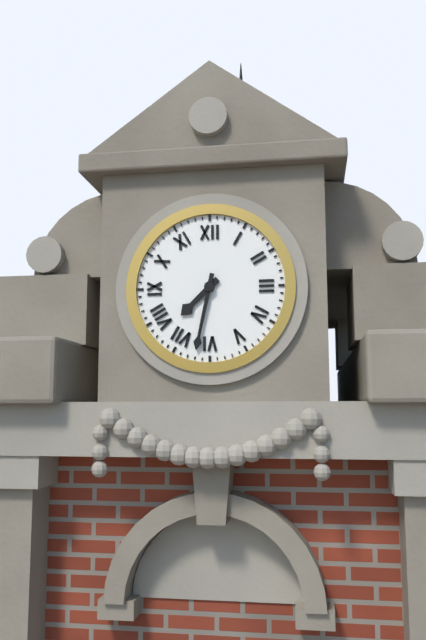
7:32
